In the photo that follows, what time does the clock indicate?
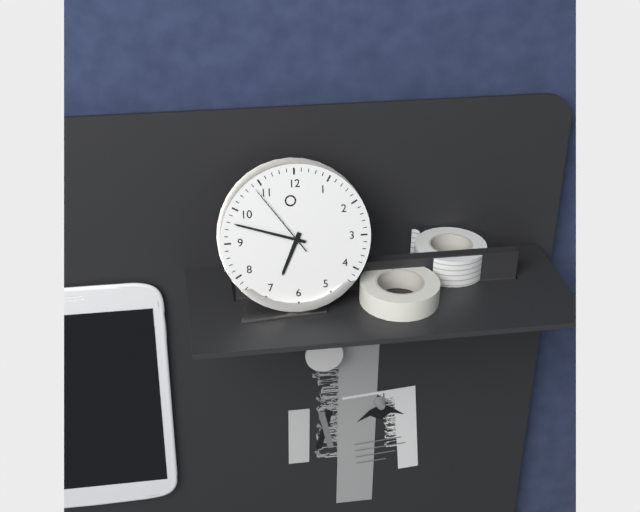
6:48:54
